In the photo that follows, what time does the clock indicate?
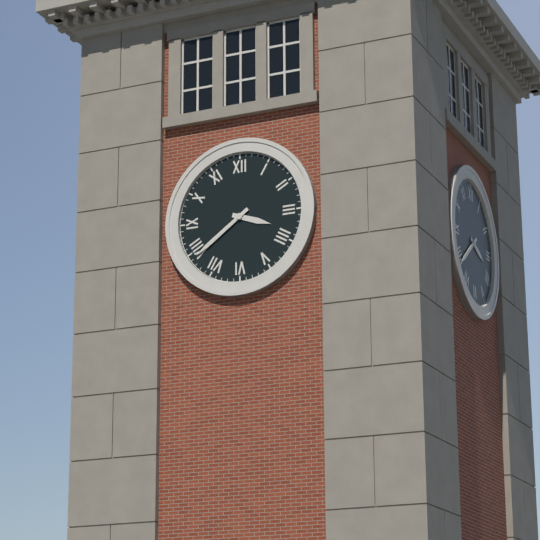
3:39
